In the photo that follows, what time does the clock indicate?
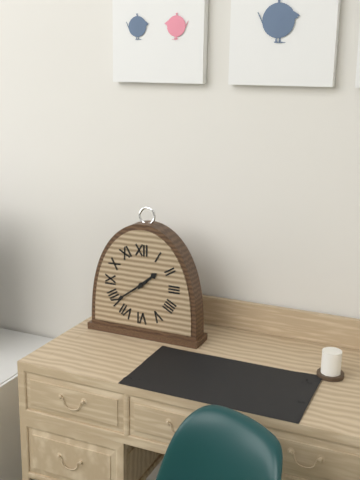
1:39
